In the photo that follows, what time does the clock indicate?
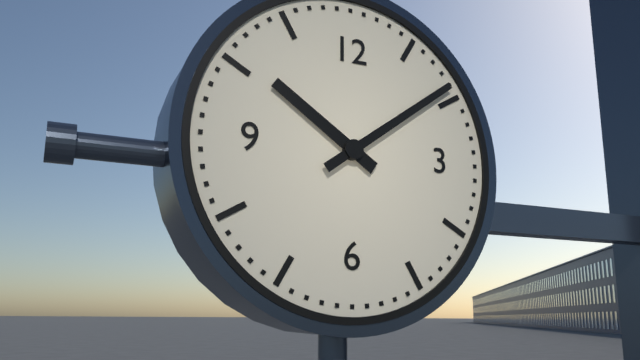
10:09
